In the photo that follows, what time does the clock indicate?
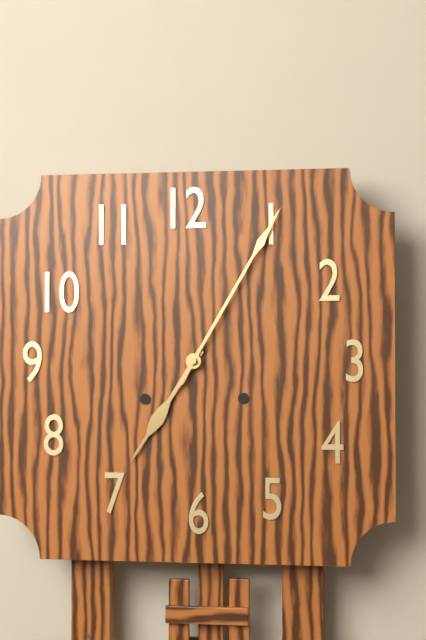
7:05
